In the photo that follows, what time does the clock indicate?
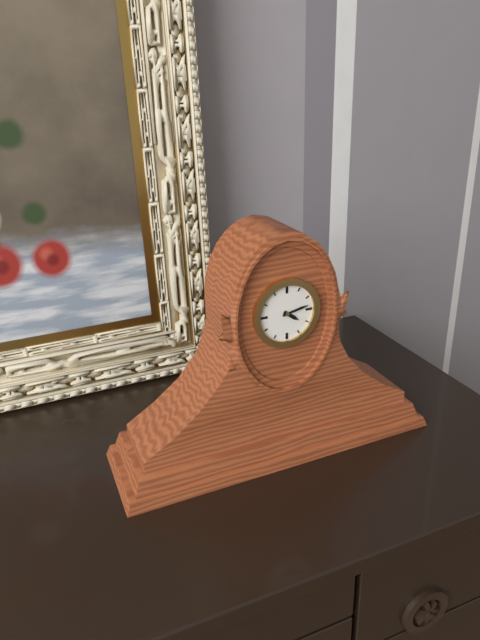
4:13
